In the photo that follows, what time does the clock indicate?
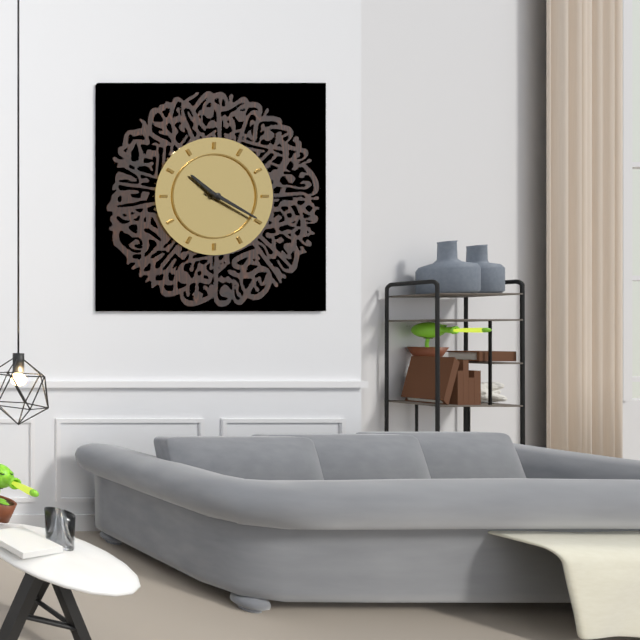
10:20
